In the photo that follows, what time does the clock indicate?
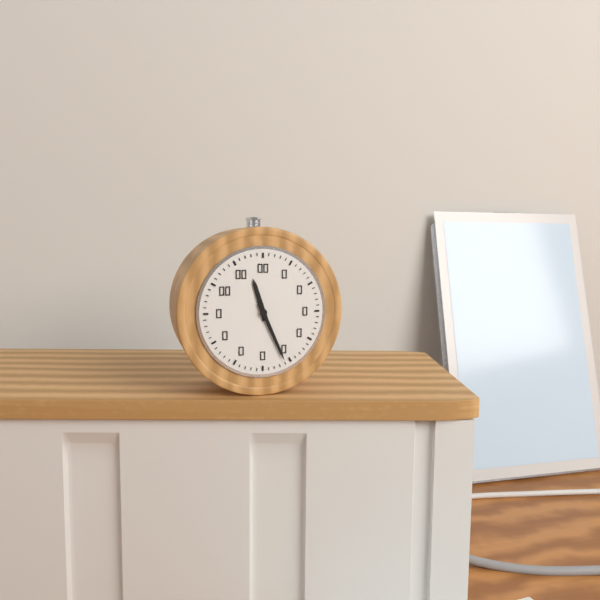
11:26
